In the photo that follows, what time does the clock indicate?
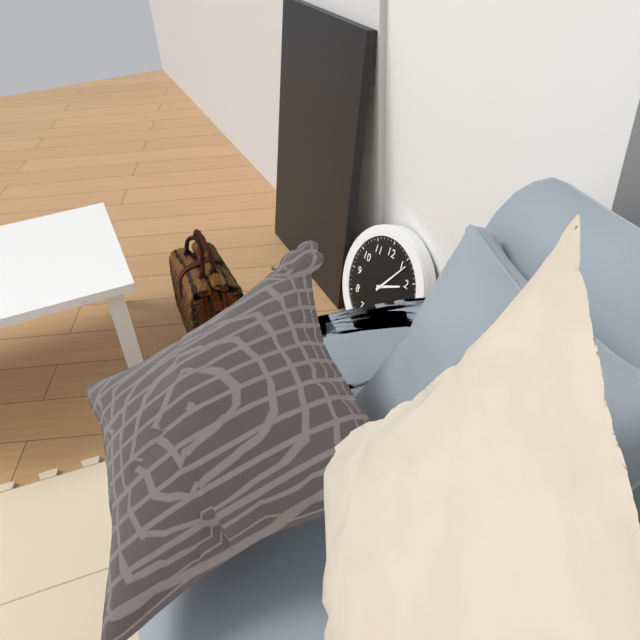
2:06
